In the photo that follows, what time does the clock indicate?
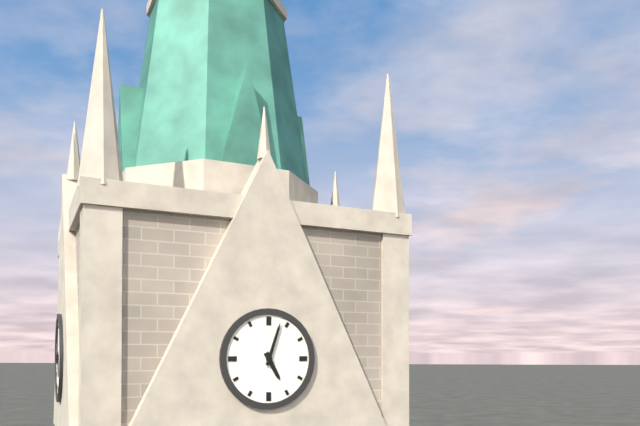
5:03
